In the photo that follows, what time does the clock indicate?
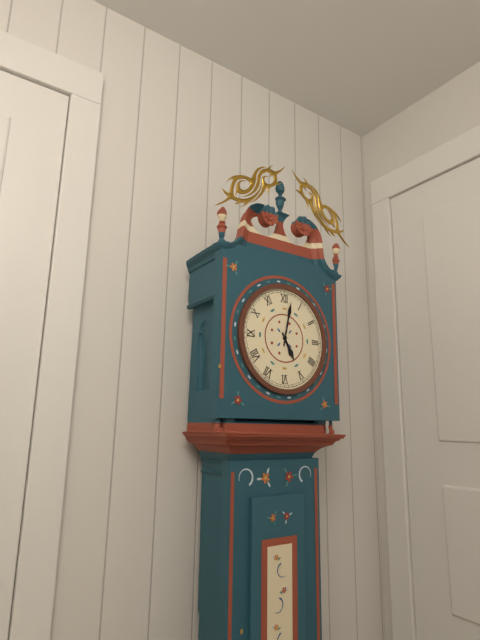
5:02
